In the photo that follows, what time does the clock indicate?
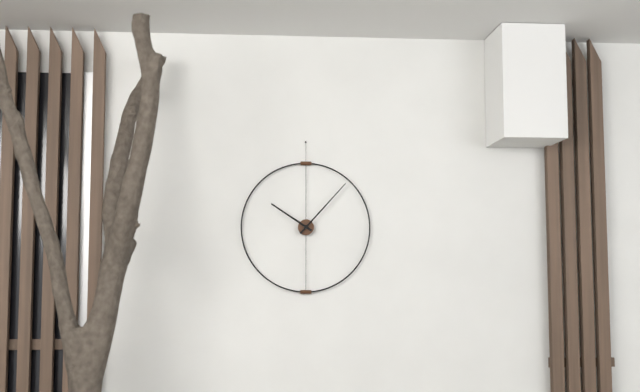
10:07
